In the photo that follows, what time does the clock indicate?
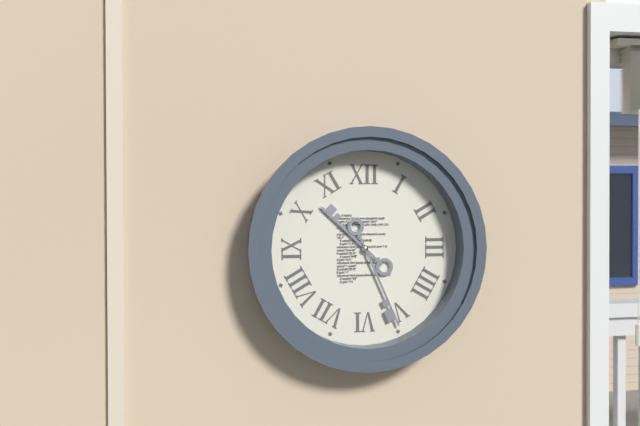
10:26
